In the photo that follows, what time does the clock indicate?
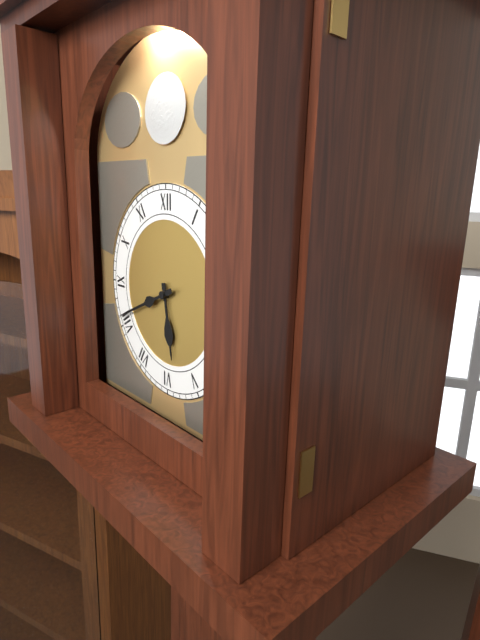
5:41
